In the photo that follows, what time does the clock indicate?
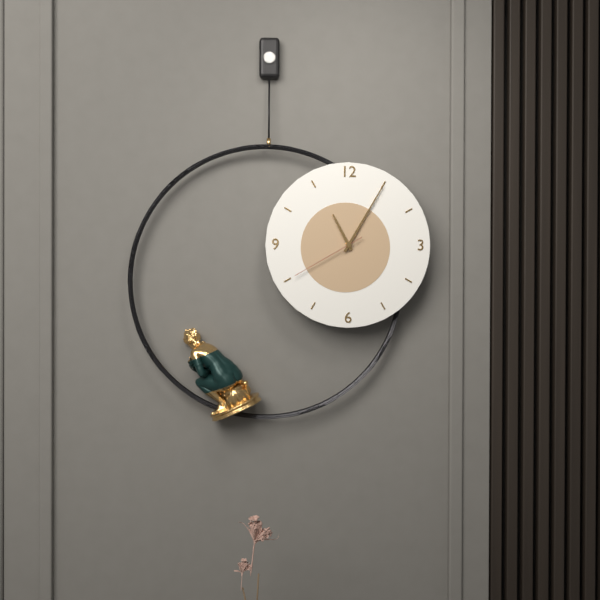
11:05:40
